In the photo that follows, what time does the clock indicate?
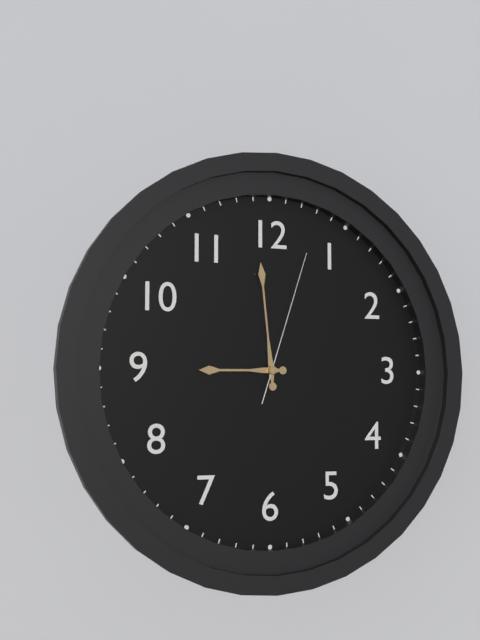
8:59:03
